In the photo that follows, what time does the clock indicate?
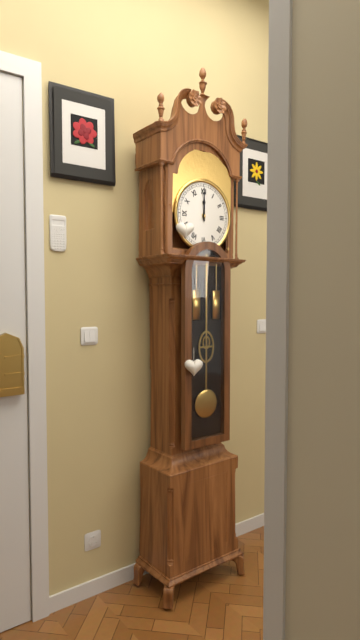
12:00
